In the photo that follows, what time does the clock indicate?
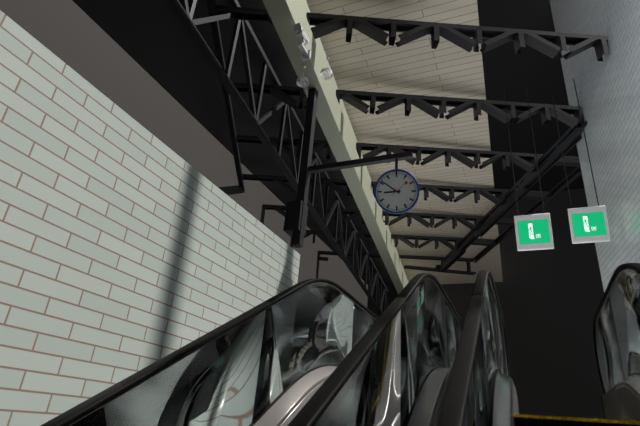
8:51
